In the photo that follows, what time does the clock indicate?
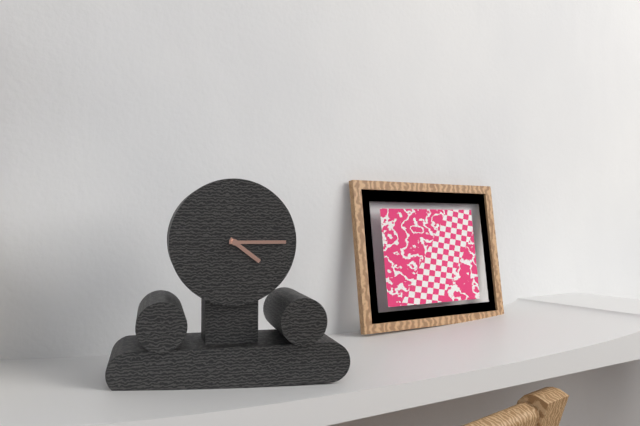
4:15
